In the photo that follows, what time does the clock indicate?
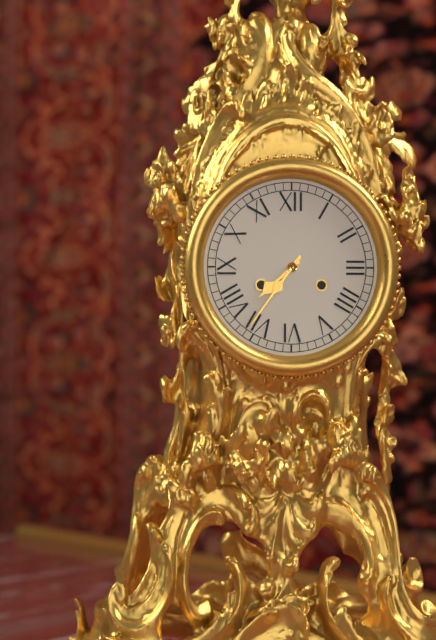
7:36
